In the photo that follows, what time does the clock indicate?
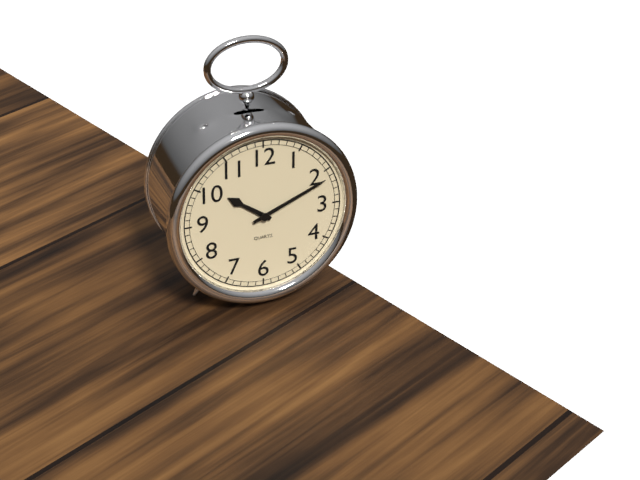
10:11
